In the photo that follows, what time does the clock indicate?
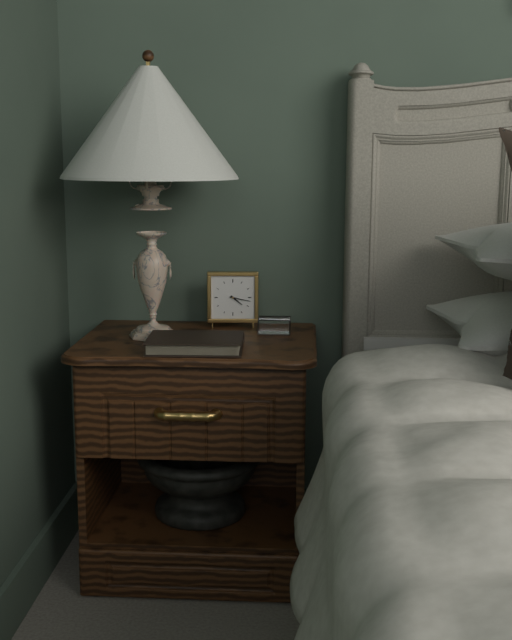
4:17
